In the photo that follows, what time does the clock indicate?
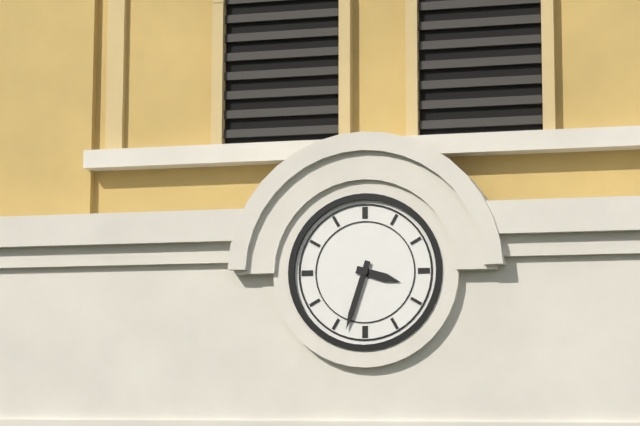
3:33
